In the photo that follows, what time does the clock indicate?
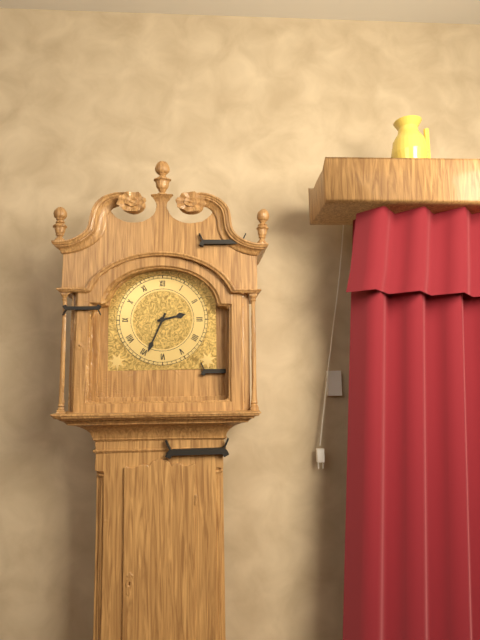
2:34
